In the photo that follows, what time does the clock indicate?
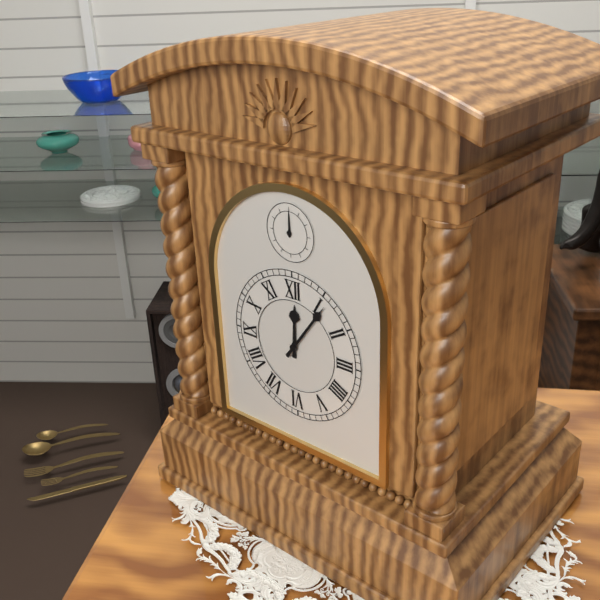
12:06
